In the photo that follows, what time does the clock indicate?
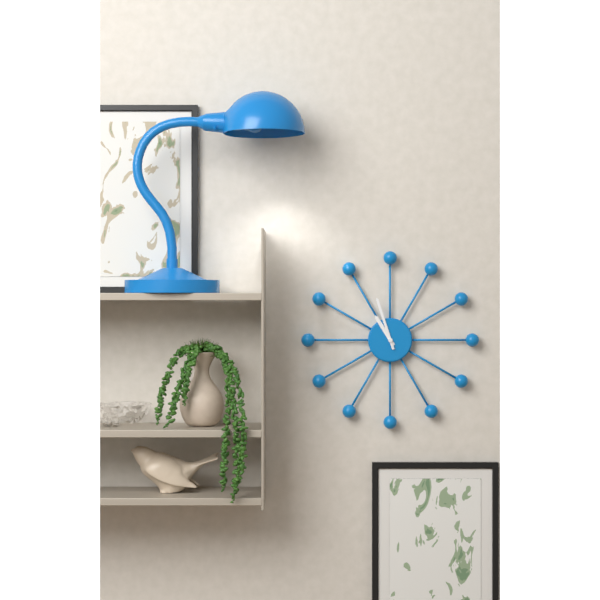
10:57
